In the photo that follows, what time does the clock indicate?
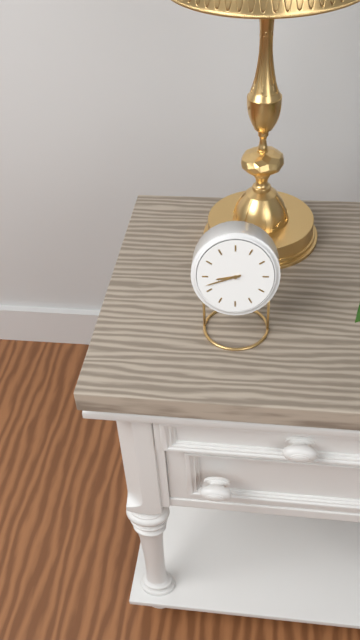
8:42
